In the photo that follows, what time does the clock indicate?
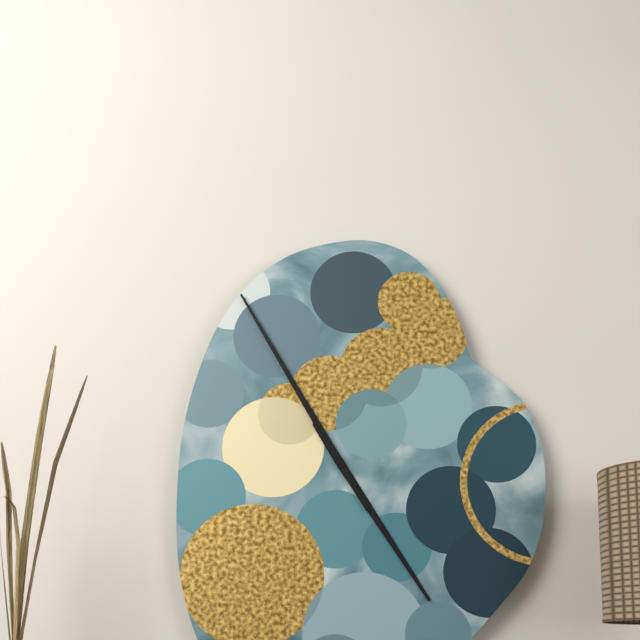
4:55
